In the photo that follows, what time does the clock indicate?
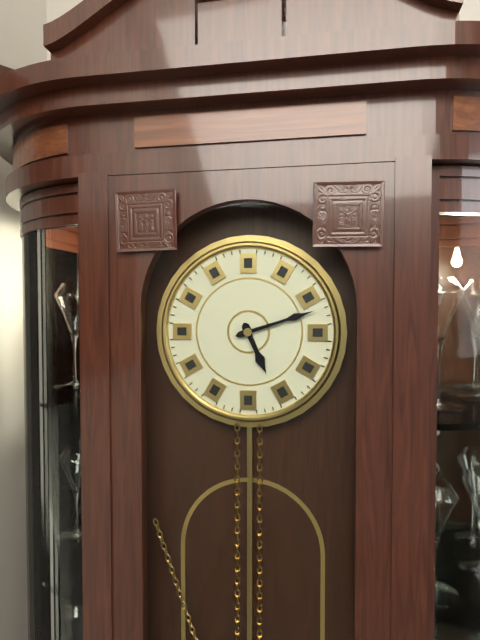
5:12
